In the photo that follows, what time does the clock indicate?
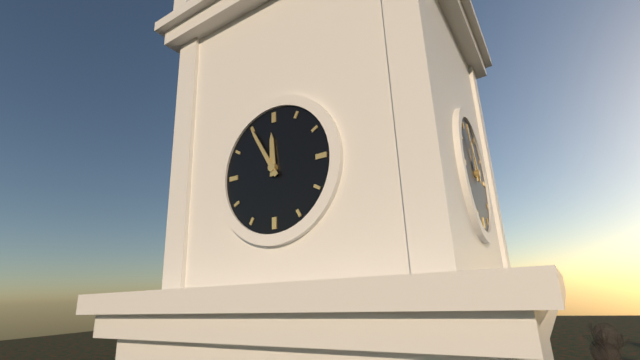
11:55
